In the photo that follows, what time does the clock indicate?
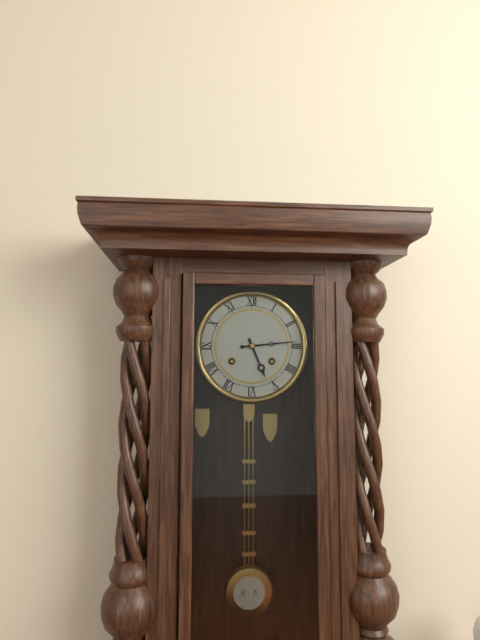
5:14
